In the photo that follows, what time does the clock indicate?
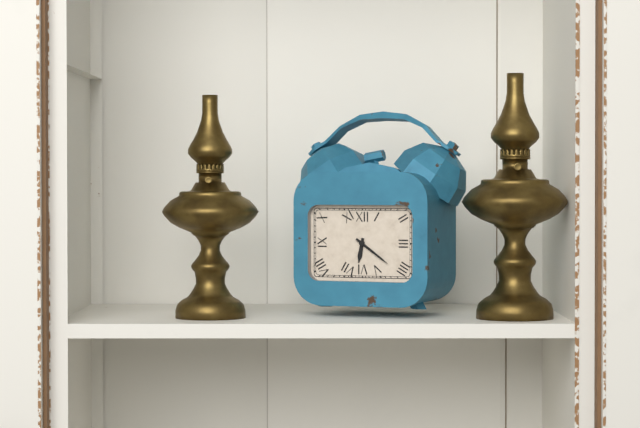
6:21
